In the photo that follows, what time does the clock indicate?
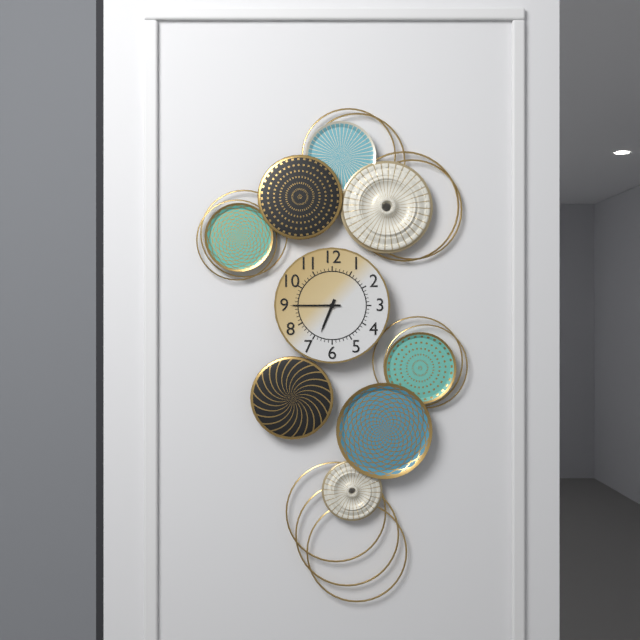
6:45
